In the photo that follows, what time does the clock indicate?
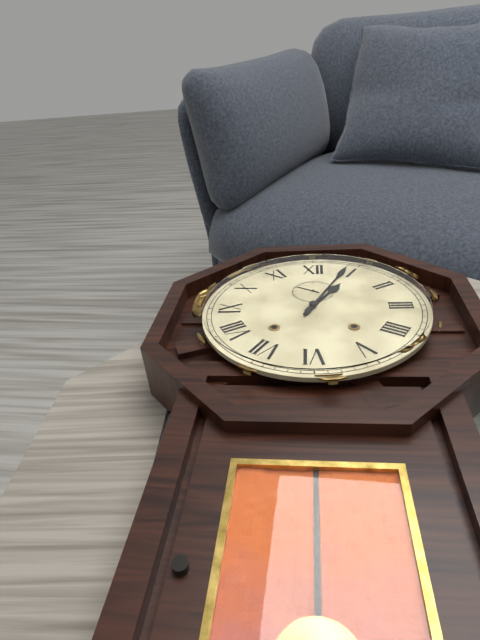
1:04:50
